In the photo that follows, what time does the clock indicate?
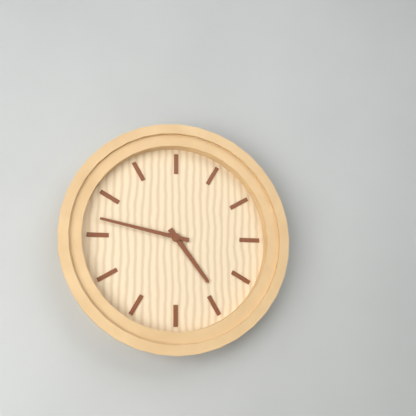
4:47
